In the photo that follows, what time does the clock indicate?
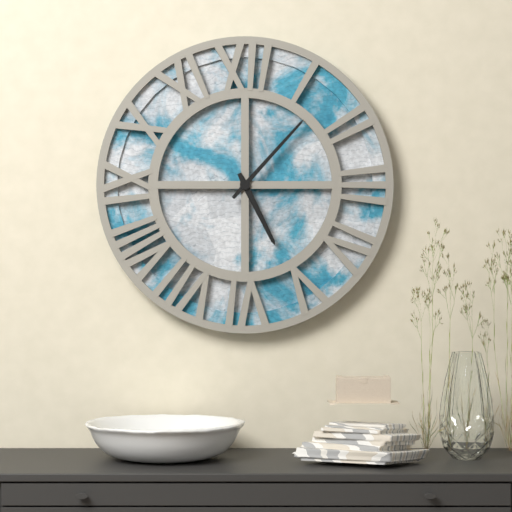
5:07
